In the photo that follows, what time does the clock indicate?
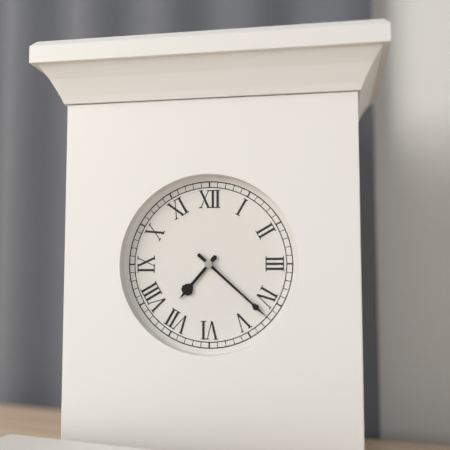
7:22
